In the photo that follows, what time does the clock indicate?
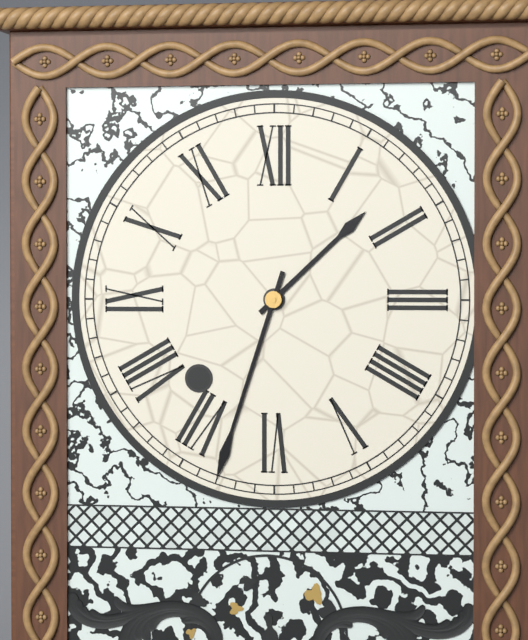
1:33
